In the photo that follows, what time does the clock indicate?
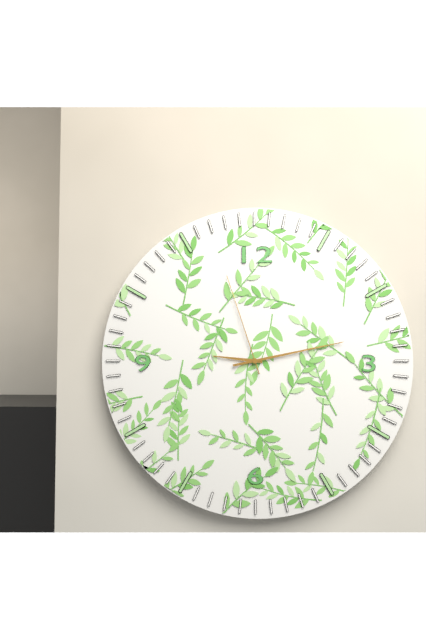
9:13:57
